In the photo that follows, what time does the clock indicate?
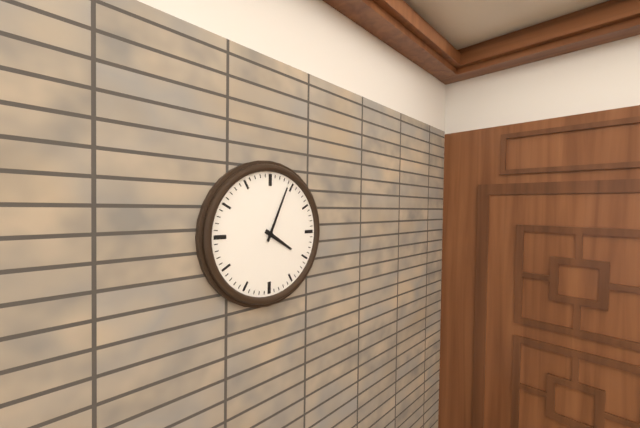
4:04
